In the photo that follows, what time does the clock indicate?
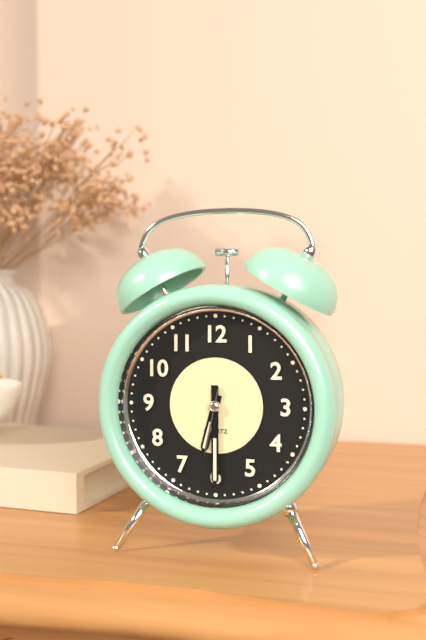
6:30:32
